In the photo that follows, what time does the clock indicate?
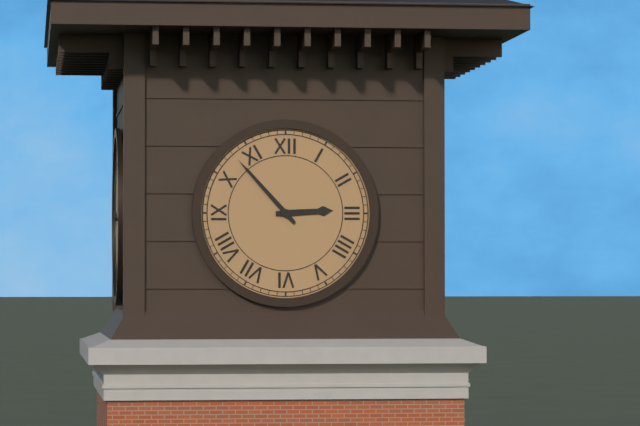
2:53
